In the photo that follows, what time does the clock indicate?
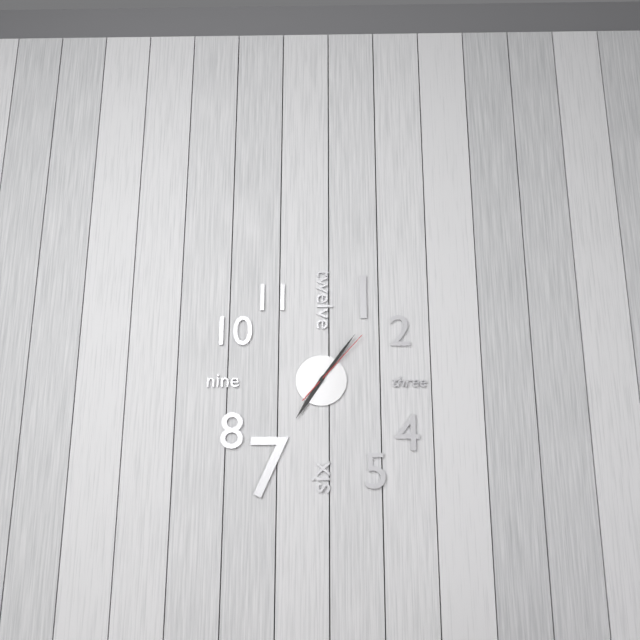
7:06:07
